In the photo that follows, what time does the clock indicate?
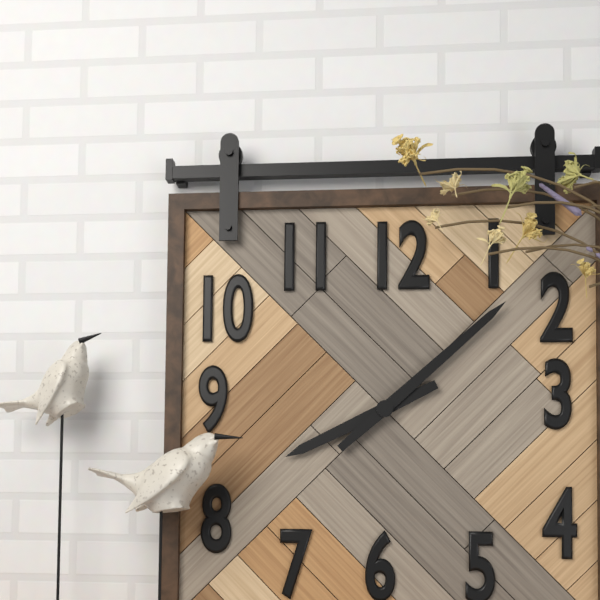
8:08
